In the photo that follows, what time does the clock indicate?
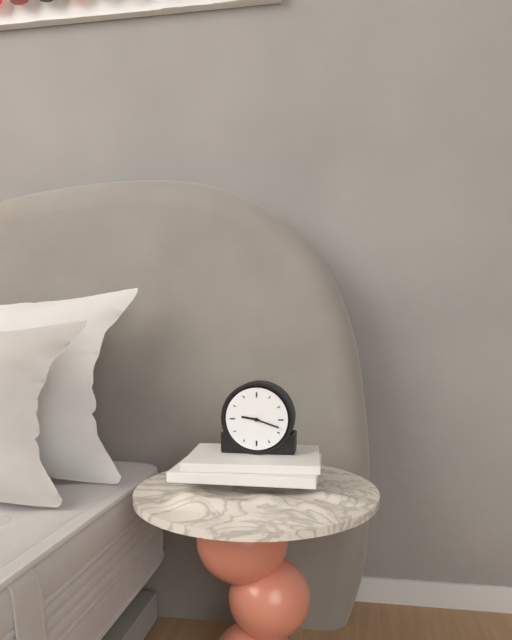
9:18
